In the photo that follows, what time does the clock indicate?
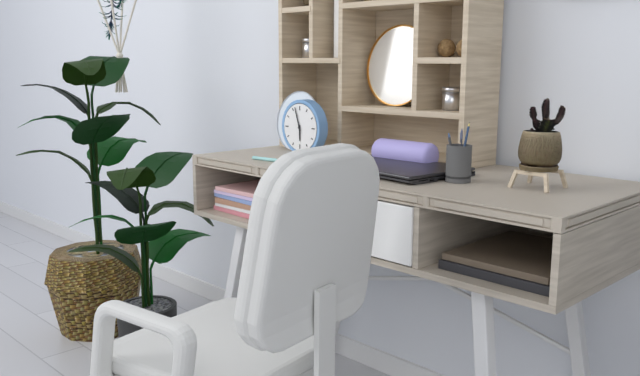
5:57
